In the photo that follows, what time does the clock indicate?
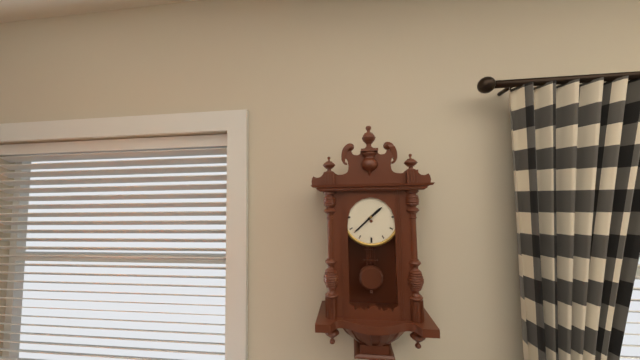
1:38
